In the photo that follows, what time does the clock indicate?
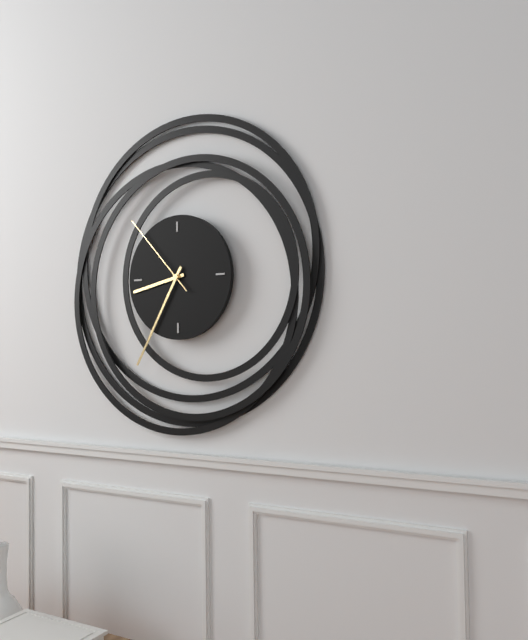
8:35:53
